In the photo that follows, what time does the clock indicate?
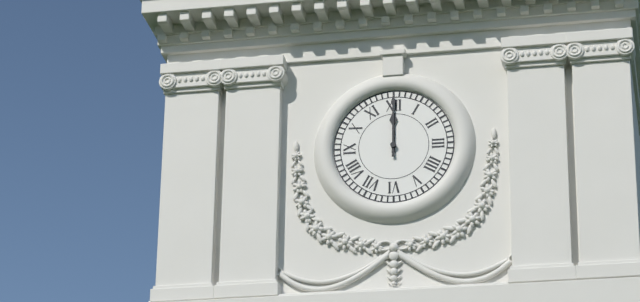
12:00
